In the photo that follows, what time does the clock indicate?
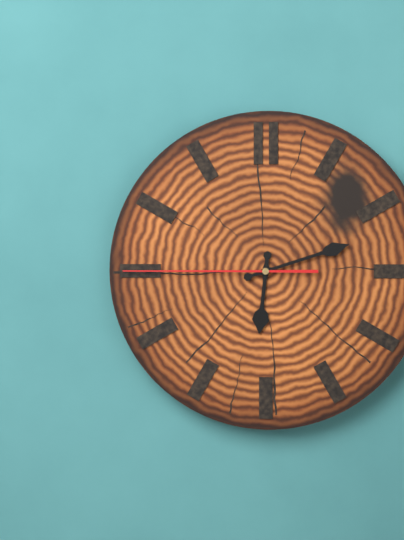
6:12:45
